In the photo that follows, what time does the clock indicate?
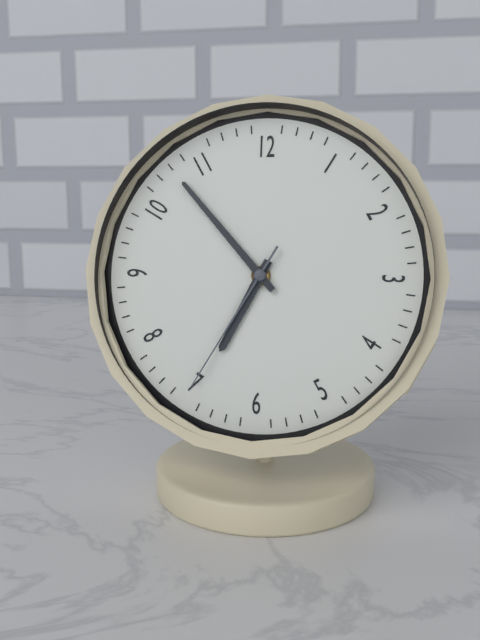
6:53:35
